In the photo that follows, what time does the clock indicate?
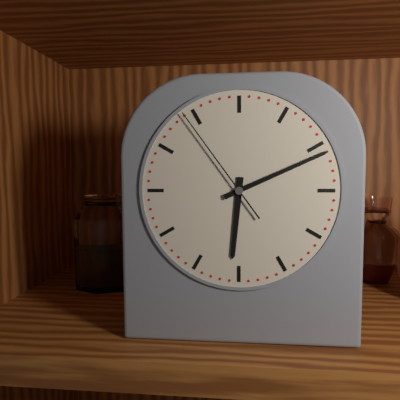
6:11:54
